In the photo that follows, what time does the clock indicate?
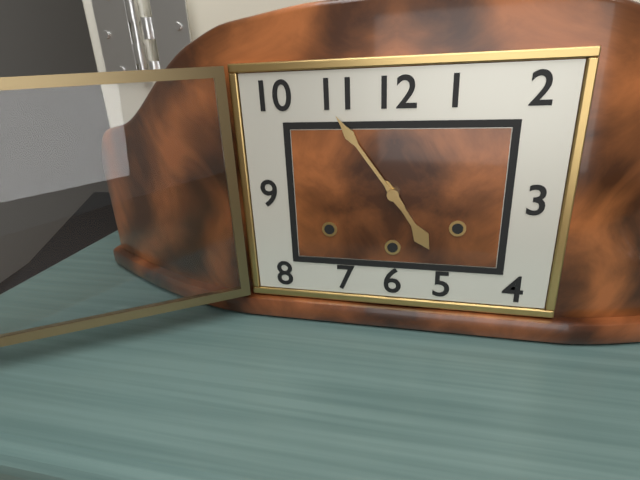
4:54
